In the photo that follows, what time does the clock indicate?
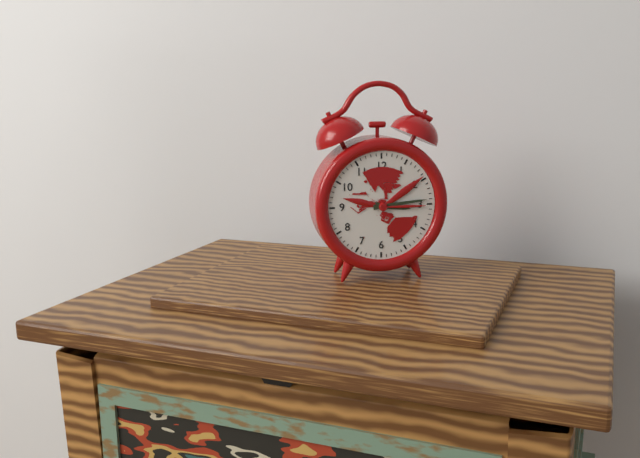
3:14
